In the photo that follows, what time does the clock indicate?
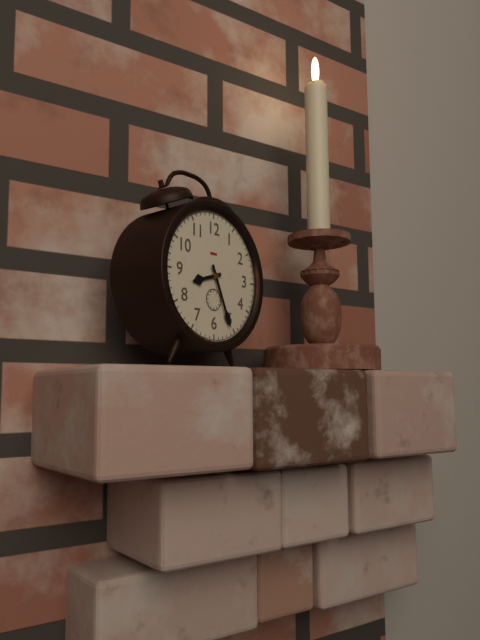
8:26
